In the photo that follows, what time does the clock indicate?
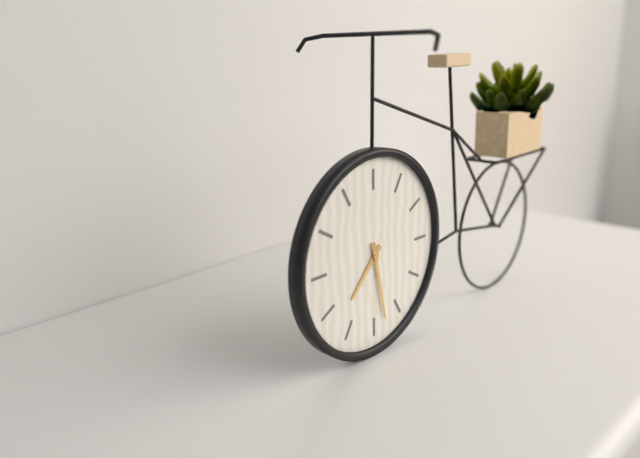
7:28
